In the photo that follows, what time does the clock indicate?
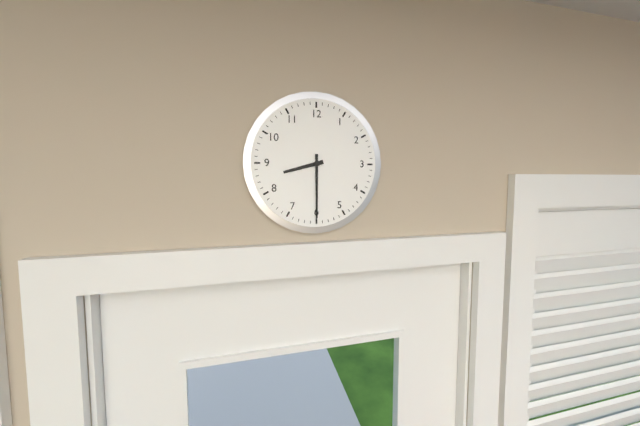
8:30
